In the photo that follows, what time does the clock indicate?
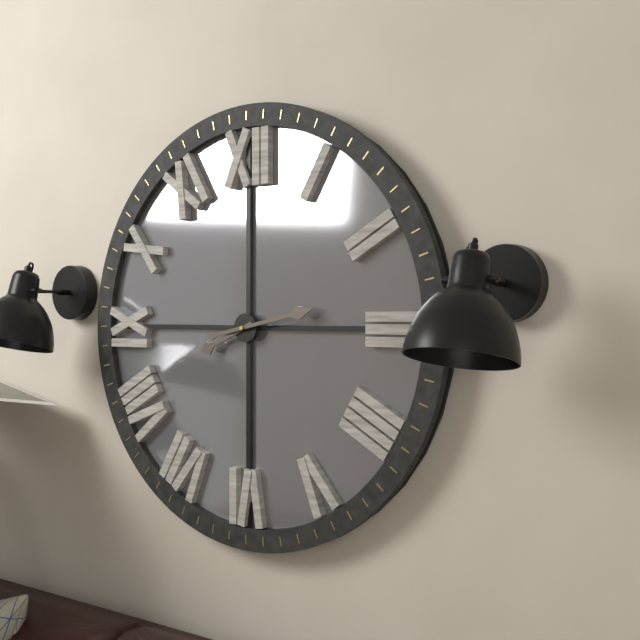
8:13
